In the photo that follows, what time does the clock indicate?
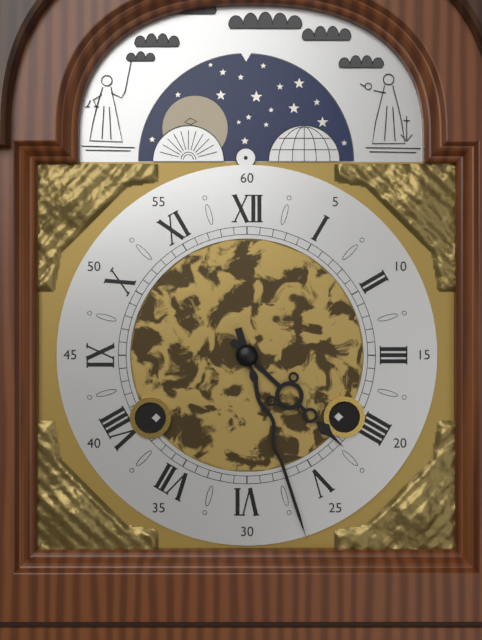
4:27
